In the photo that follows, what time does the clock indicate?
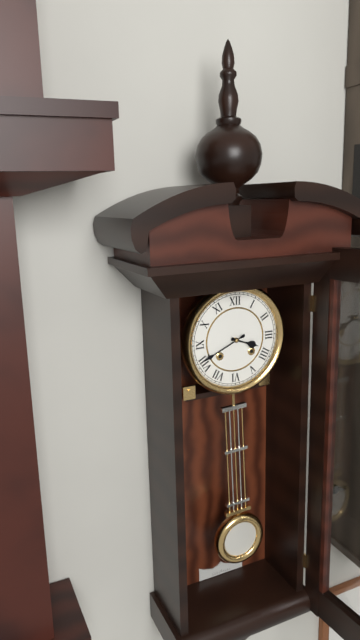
3:41
